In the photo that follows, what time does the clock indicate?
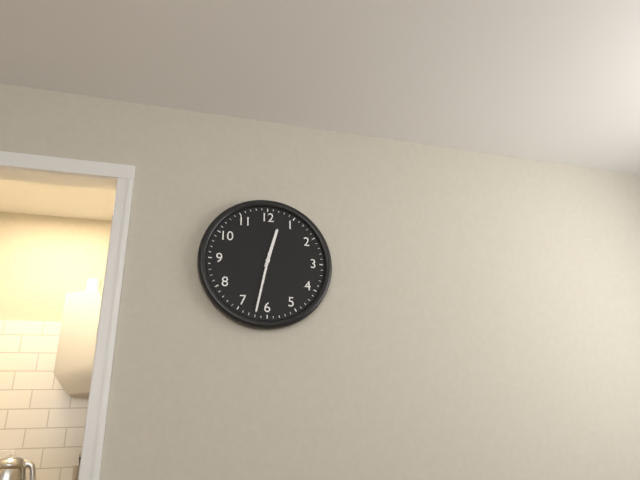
12:32
